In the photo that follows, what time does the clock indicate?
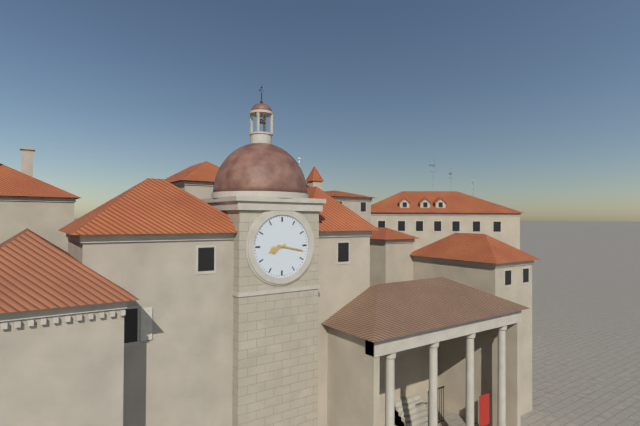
8:17
